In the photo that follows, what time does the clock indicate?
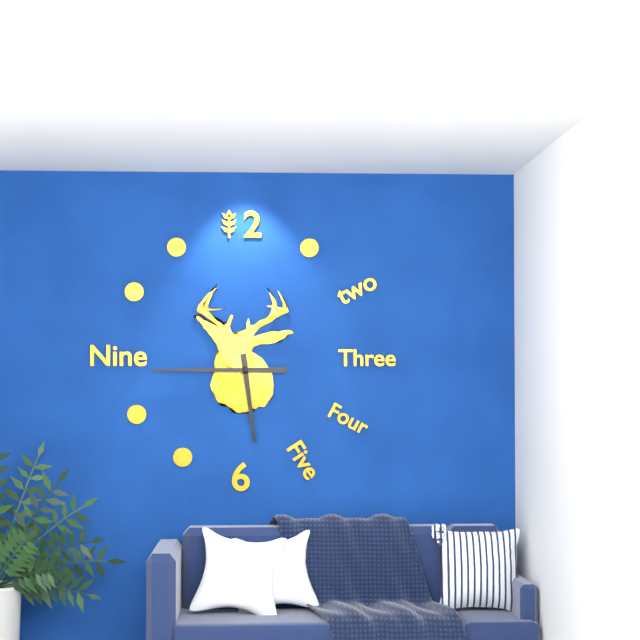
5:45
